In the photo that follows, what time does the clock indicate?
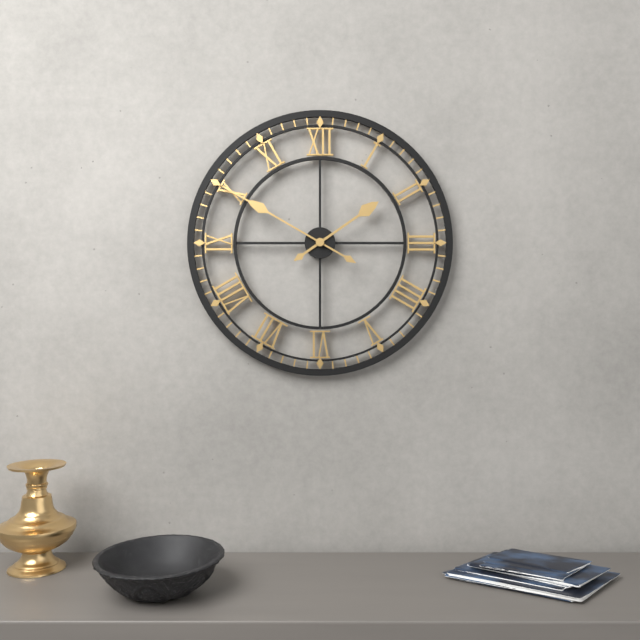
1:50
